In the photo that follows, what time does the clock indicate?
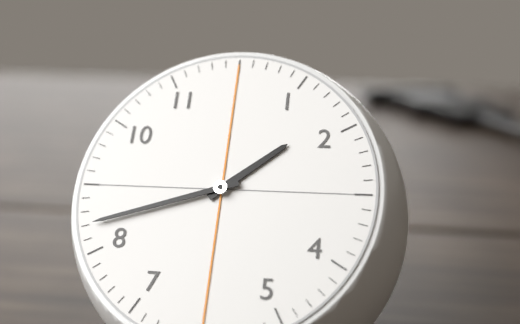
1:42
